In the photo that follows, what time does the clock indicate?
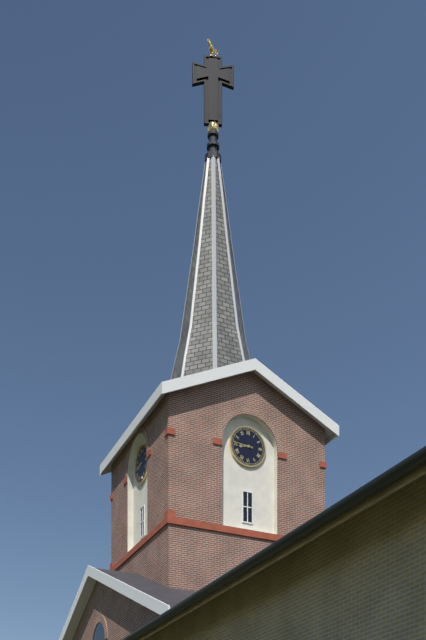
8:46
